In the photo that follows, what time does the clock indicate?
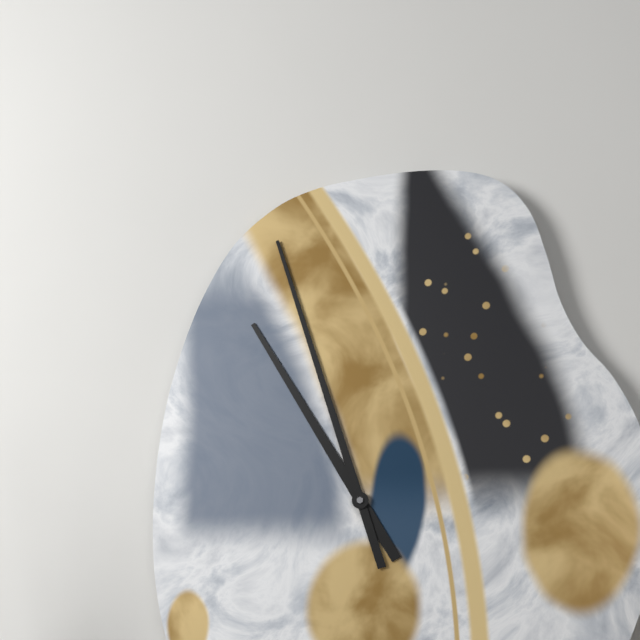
10:57
